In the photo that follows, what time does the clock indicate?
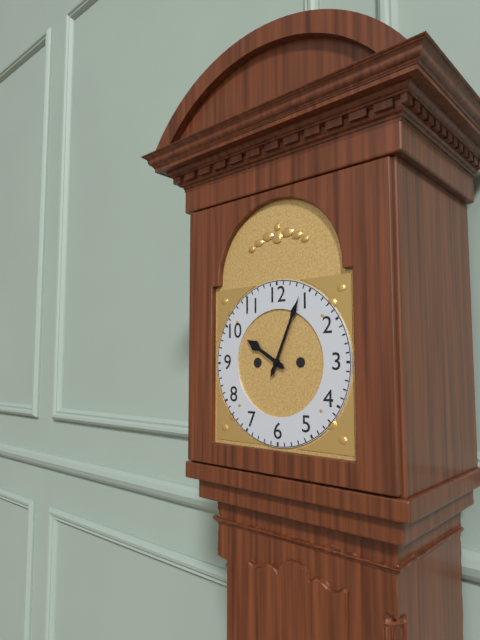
10:04
